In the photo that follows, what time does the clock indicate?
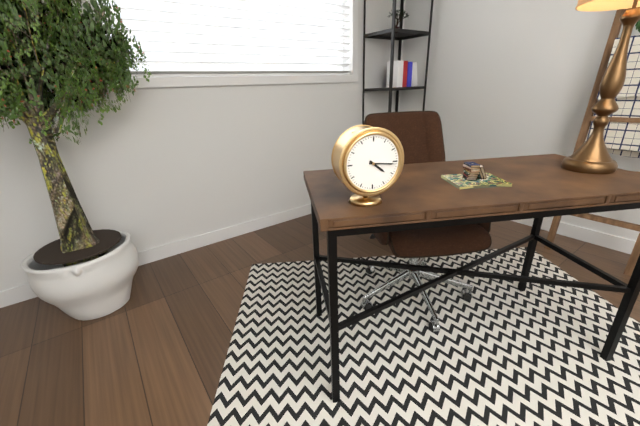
4:16
